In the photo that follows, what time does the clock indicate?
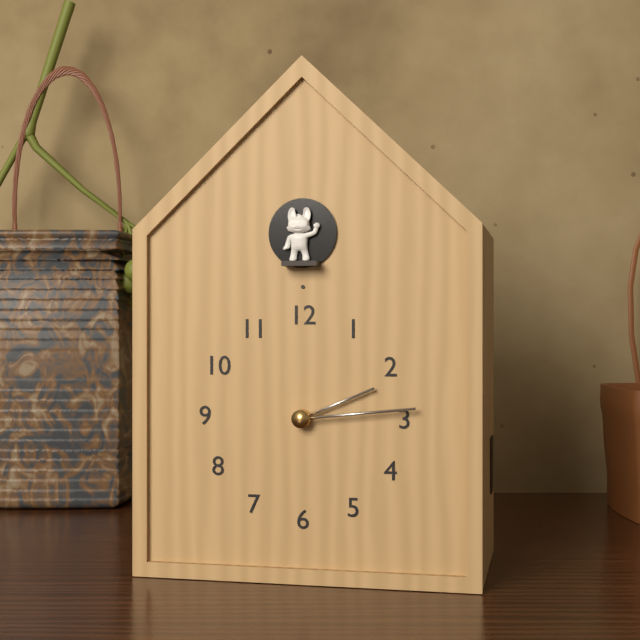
2:14
